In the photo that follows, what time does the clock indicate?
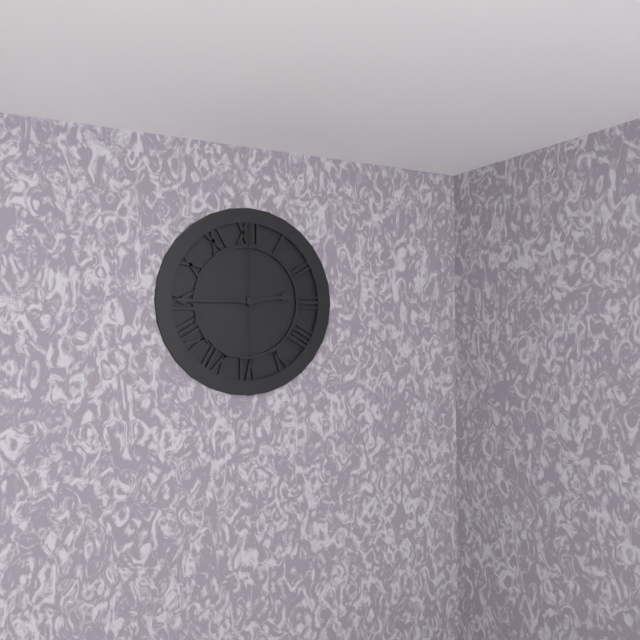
2:45:00
